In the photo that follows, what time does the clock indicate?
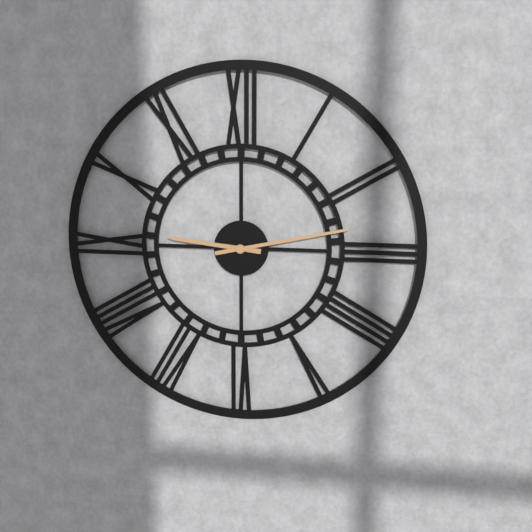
9:13
